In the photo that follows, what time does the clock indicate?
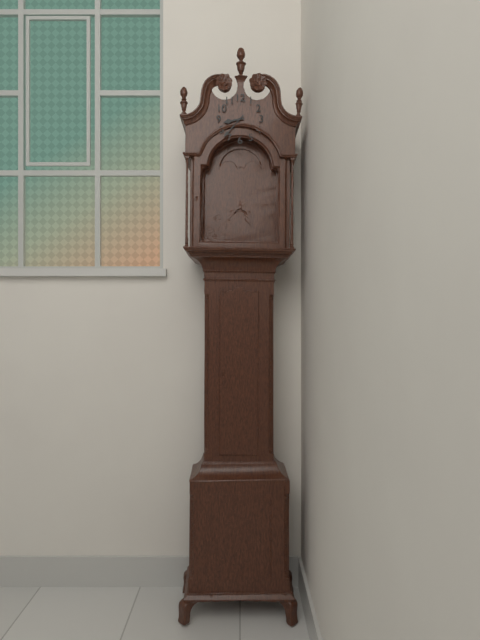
8:37
